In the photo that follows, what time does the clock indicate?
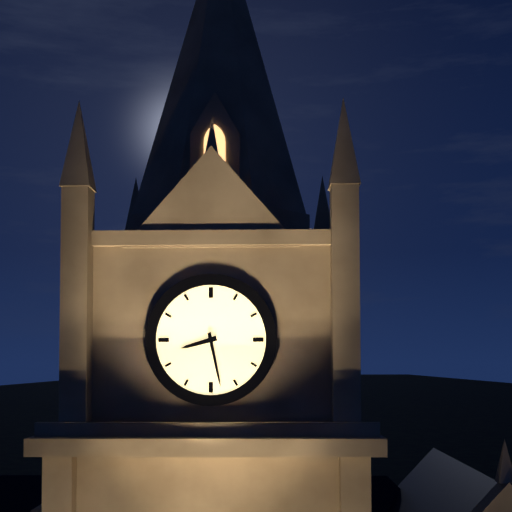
8:28
